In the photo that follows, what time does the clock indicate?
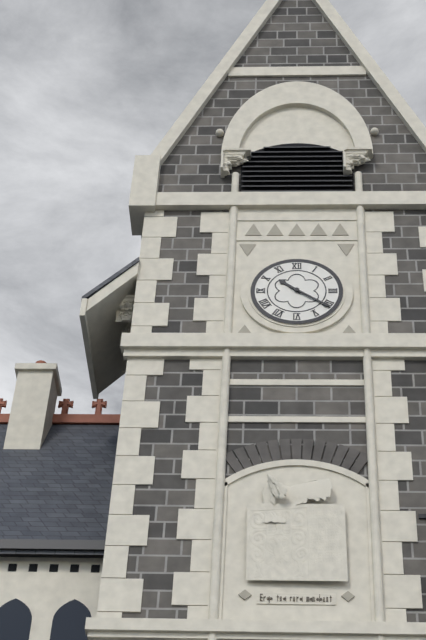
10:21
